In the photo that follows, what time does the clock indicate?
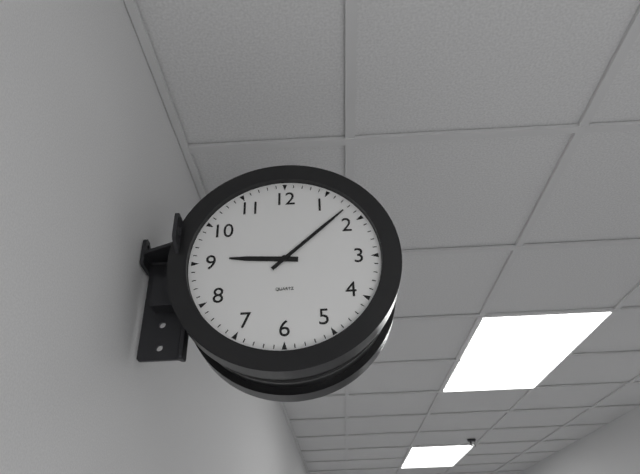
9:08
